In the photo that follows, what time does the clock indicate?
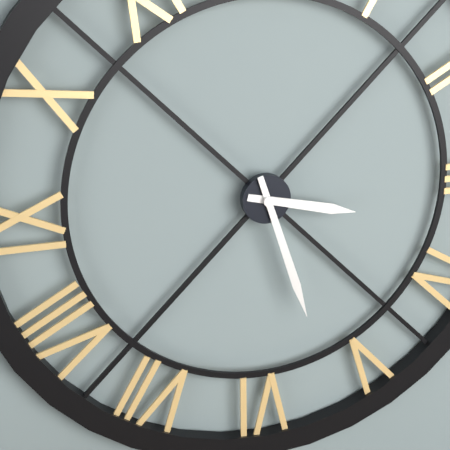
3:27
